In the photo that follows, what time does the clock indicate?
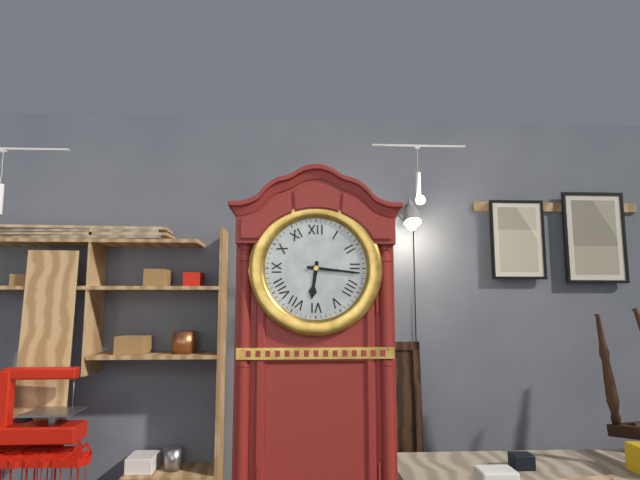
6:16
